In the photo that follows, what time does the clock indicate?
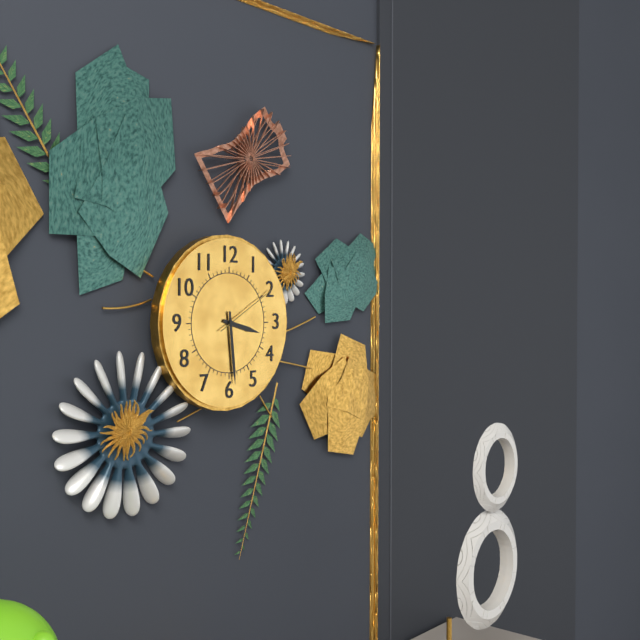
3:29:10
